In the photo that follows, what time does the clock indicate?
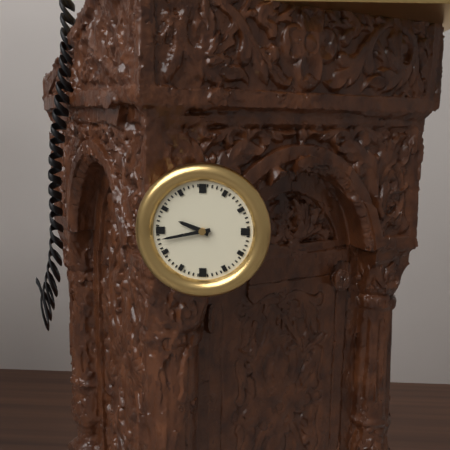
9:43
